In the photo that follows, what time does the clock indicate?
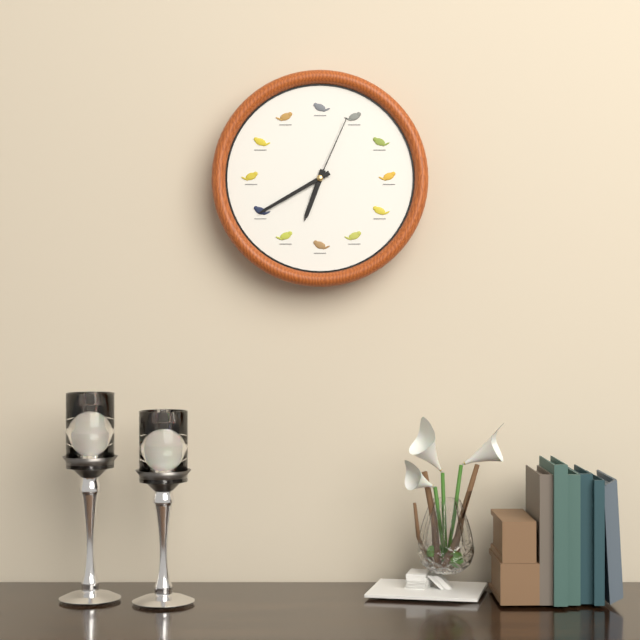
6:40:04
